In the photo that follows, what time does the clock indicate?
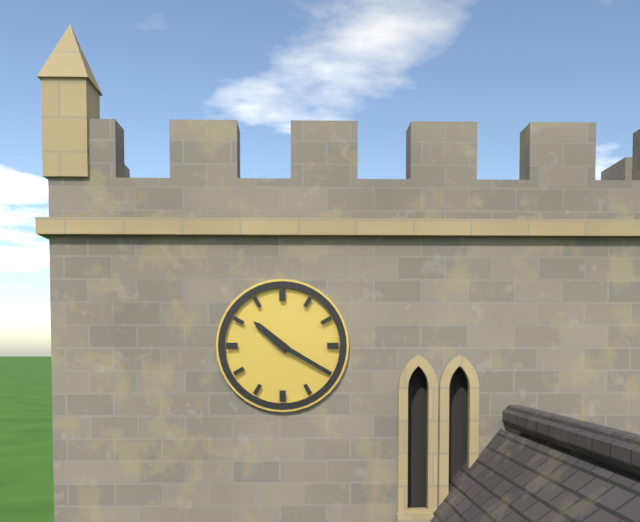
10:20
